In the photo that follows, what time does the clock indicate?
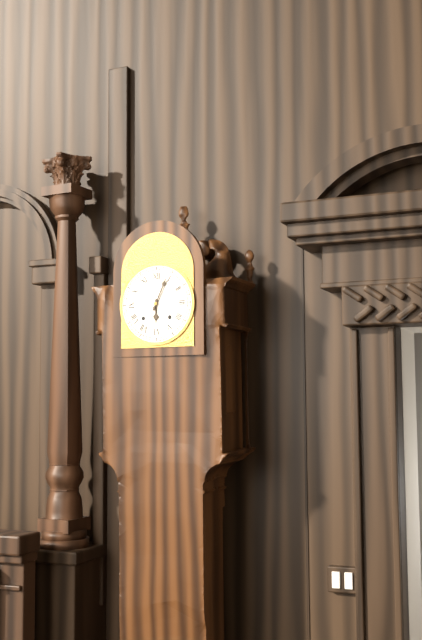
6:04
